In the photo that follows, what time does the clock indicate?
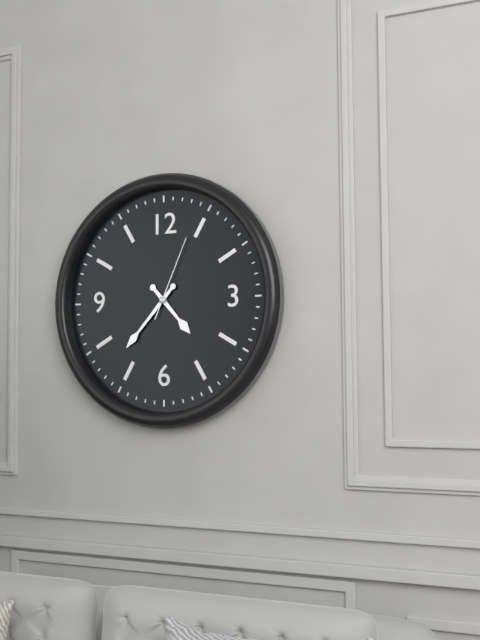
4:37:04
